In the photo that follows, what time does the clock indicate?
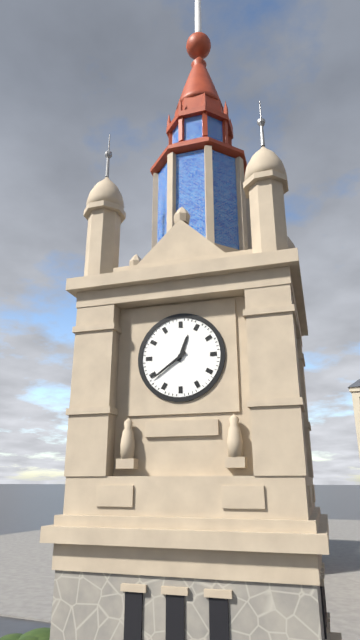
12:39
